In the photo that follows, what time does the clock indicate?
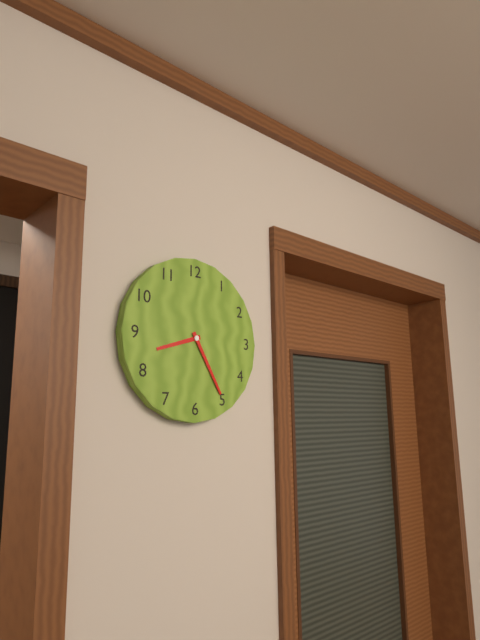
8:25
